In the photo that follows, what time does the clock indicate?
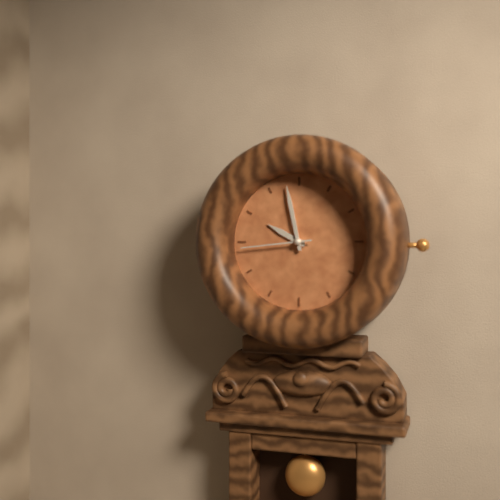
9:58:44
